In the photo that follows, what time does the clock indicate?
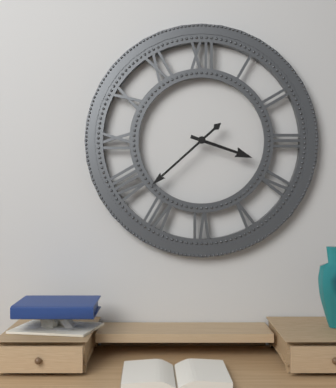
3:38
